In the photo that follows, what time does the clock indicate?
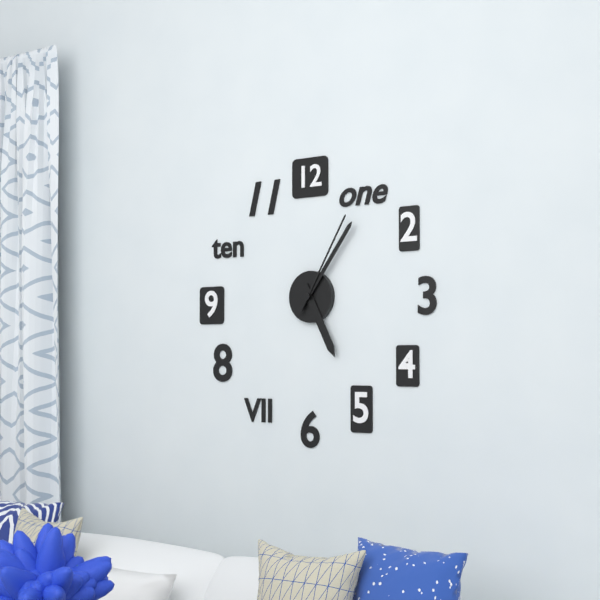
5:06:05
